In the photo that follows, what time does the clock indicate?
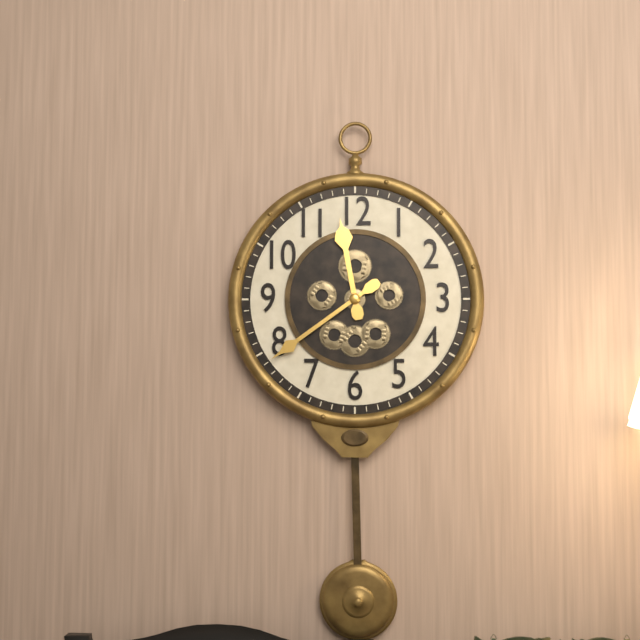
11:39
